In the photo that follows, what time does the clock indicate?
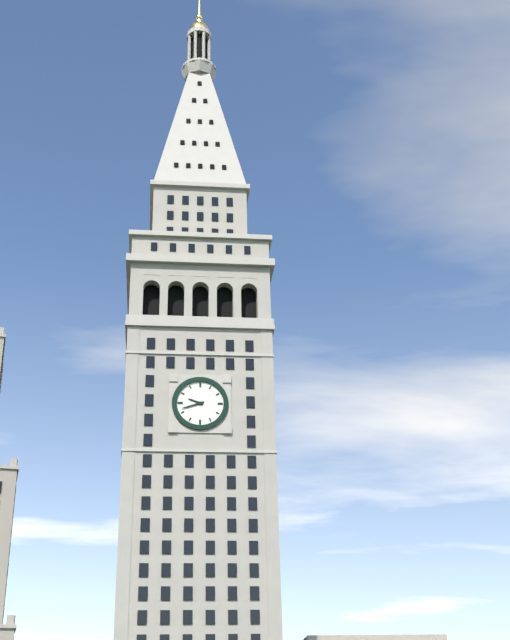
9:42
